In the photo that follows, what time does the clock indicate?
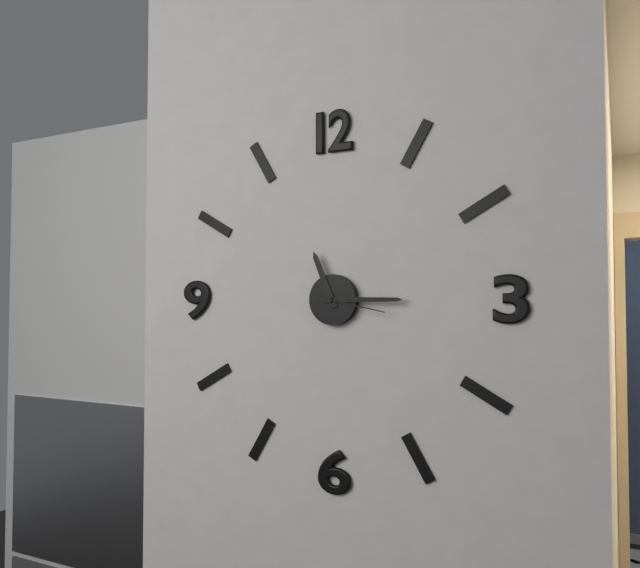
11:15:17
